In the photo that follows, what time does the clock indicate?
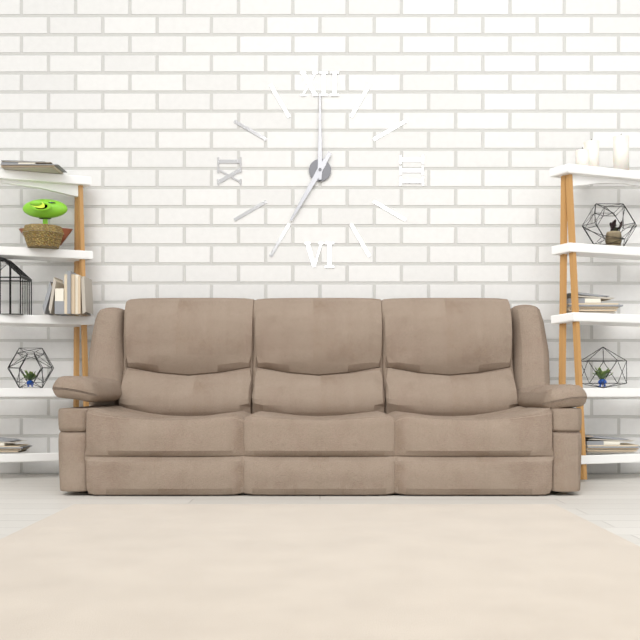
7:00
